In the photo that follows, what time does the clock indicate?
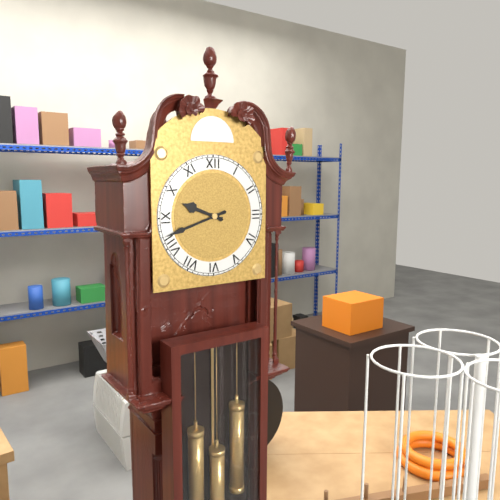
9:42
